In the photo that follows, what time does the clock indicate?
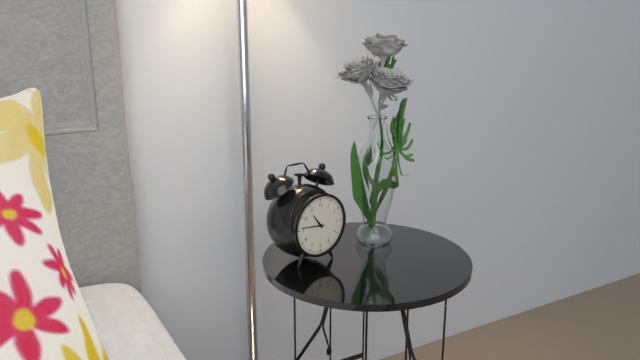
10:46
